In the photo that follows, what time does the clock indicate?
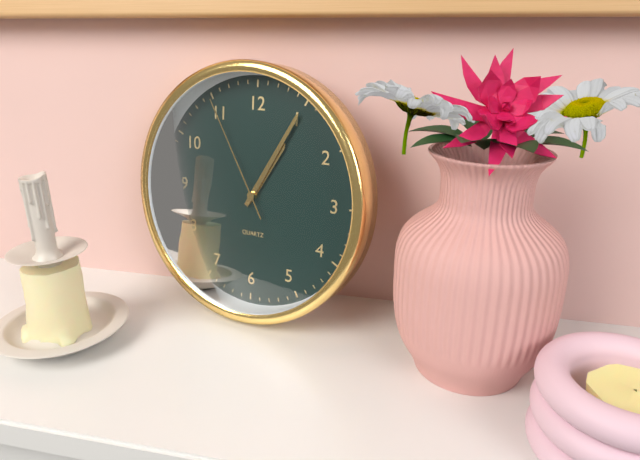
1:05:55
